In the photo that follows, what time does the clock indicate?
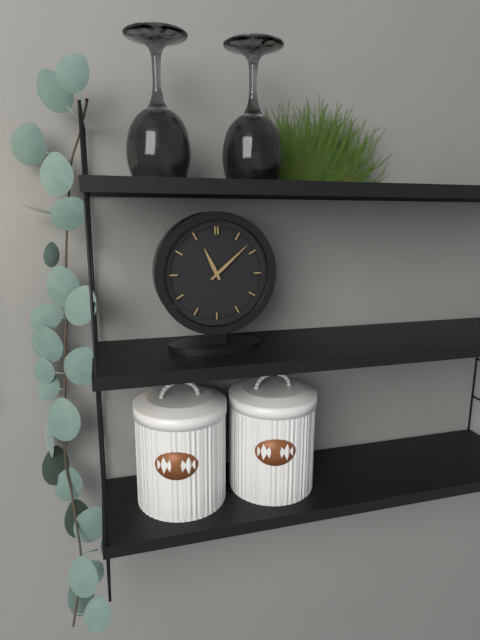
11:08
